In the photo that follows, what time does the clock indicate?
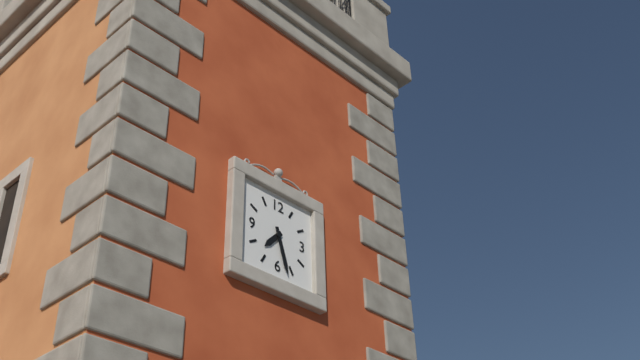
7:27
